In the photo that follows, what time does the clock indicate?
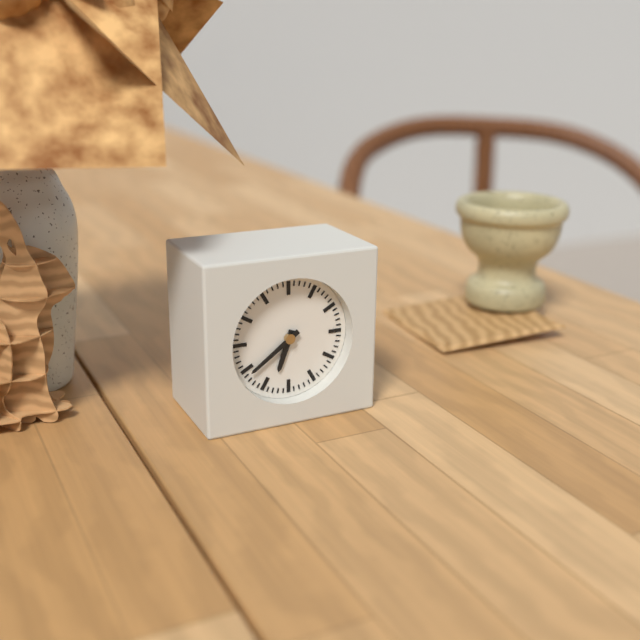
6:39
